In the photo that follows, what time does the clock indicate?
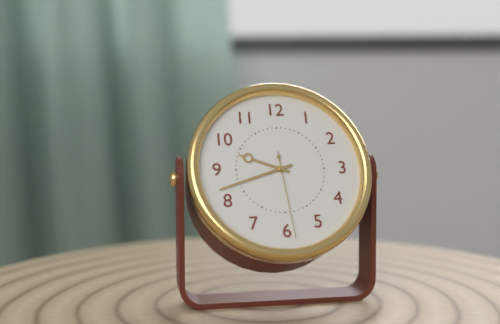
9:42:29
